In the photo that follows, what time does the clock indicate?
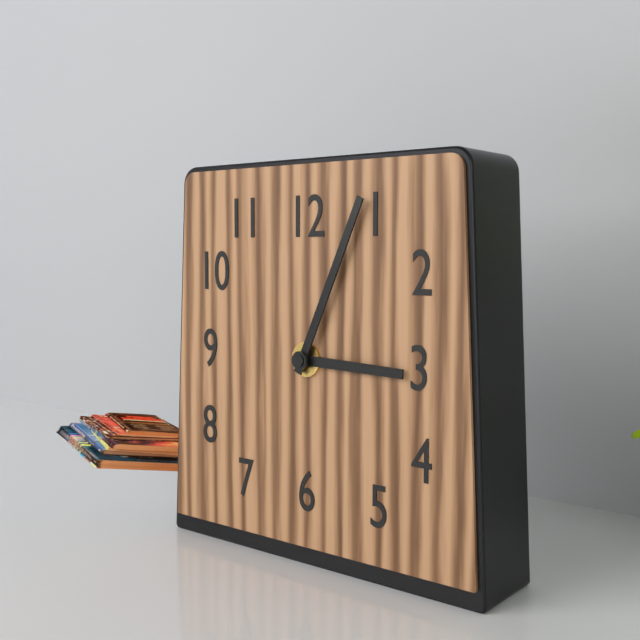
3:04
